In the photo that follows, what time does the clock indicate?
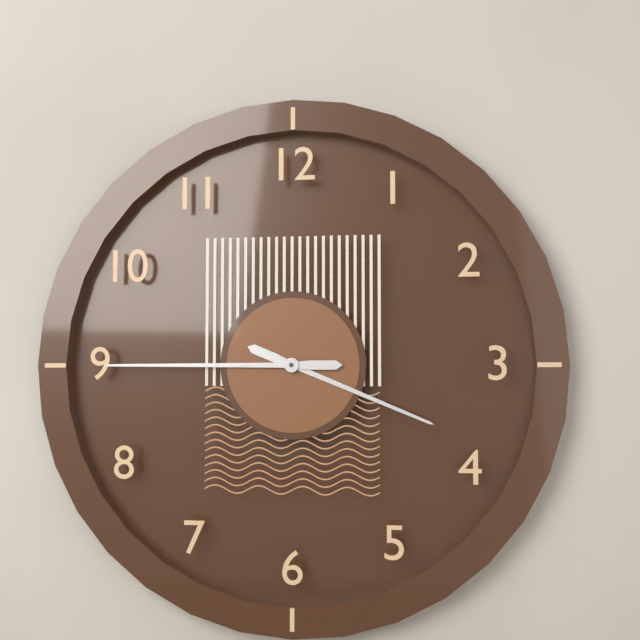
3:45
